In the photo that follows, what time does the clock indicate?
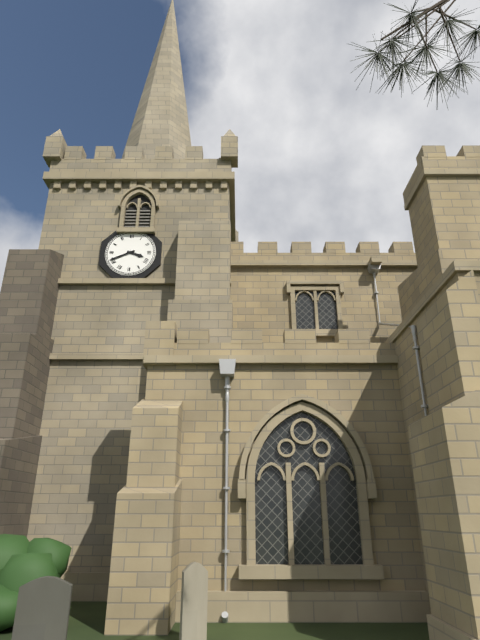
3:41
